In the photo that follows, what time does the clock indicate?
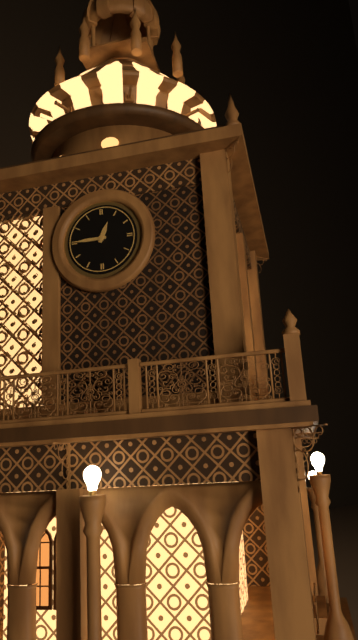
12:45
